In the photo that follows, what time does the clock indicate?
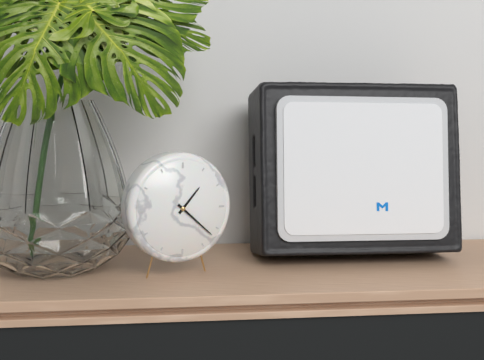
1:22
